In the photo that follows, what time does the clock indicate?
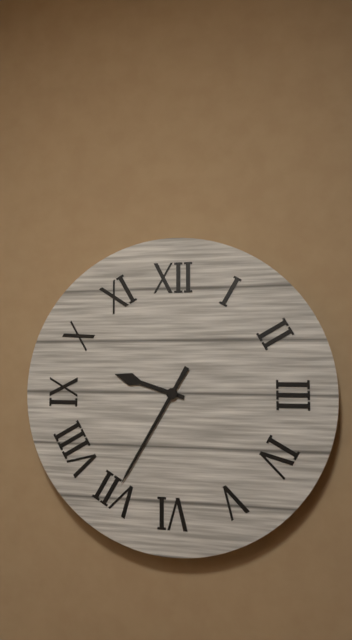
9:35
